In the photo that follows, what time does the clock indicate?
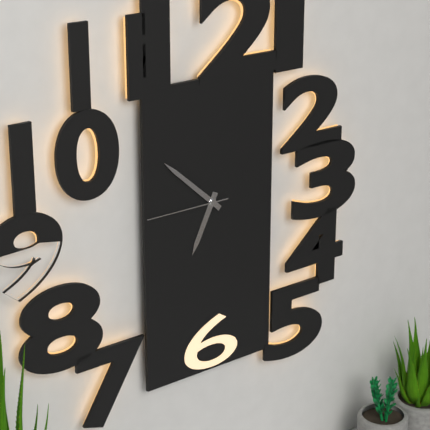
6:52:45
